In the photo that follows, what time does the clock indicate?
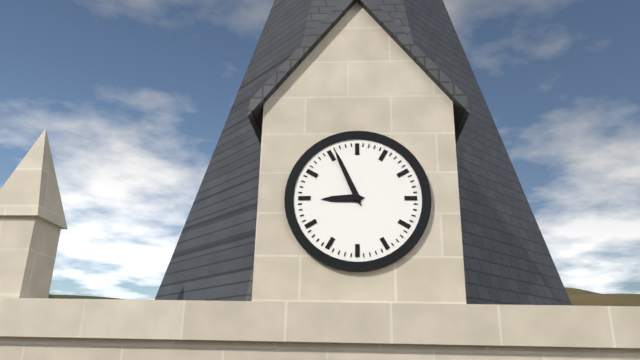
8:56
